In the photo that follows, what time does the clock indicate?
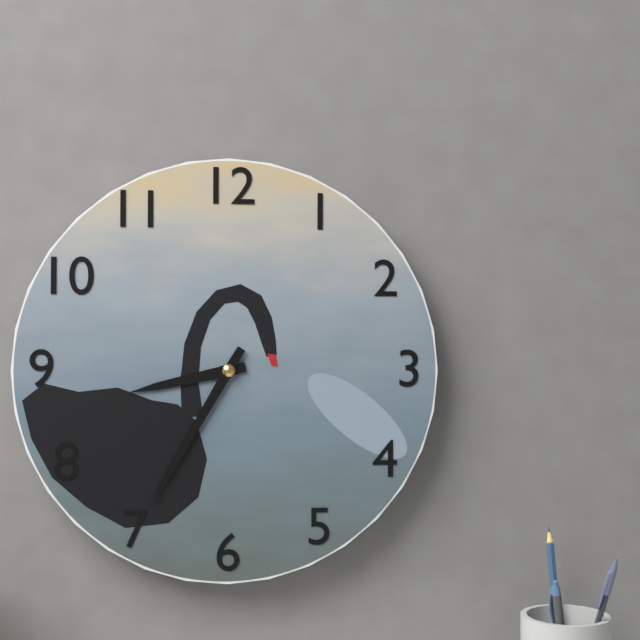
8:35
